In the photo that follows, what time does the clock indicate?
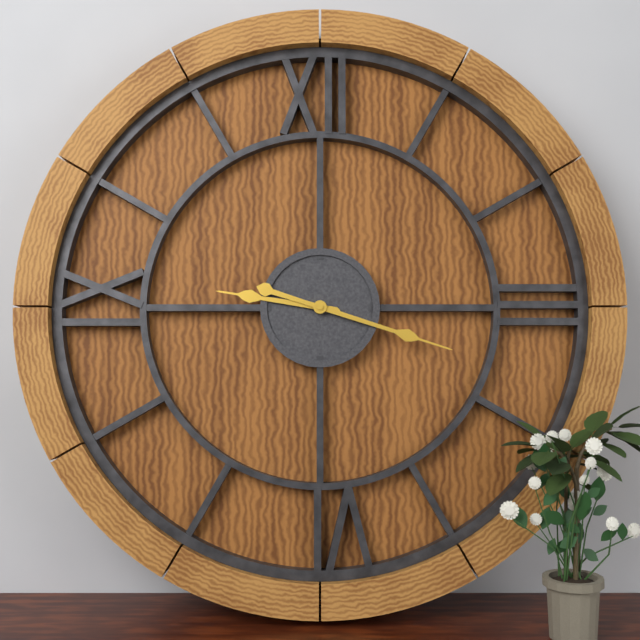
9:18
